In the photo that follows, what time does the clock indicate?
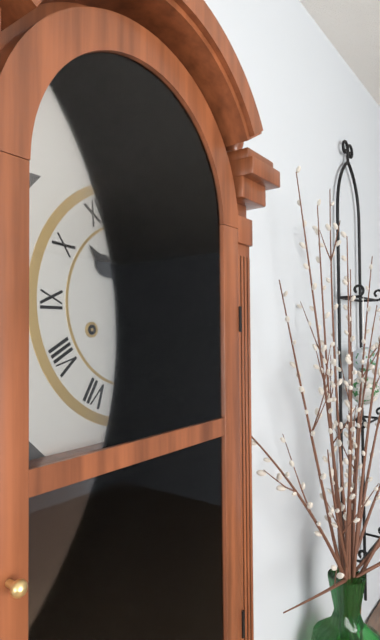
10:25
